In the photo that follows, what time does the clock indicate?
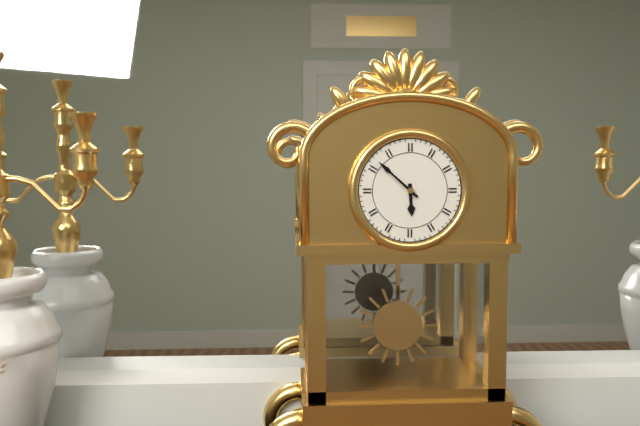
5:52
